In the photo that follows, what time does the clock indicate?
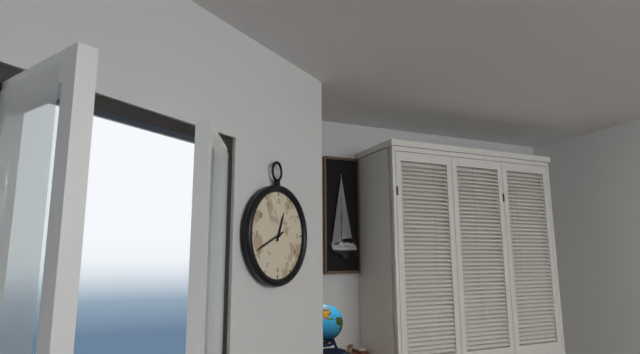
12:41
